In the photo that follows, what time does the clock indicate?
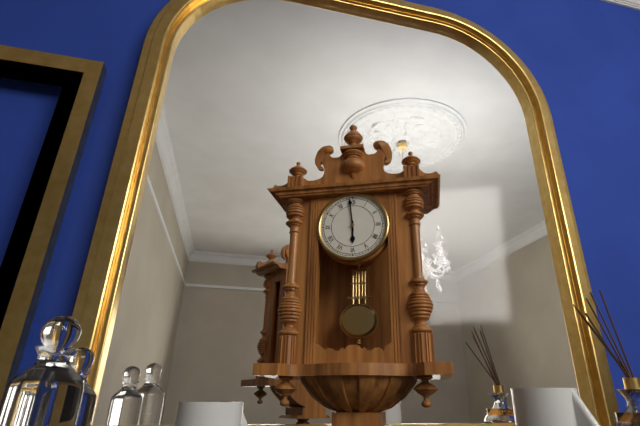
5:59
